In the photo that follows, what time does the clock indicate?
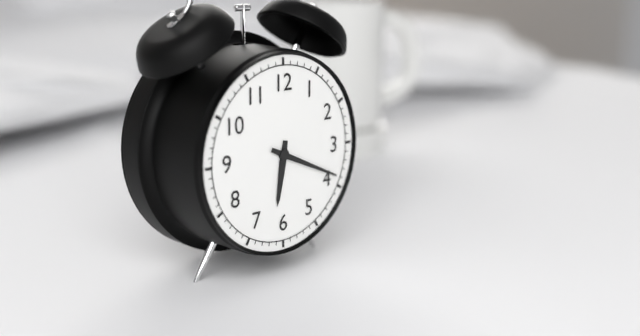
6:19
